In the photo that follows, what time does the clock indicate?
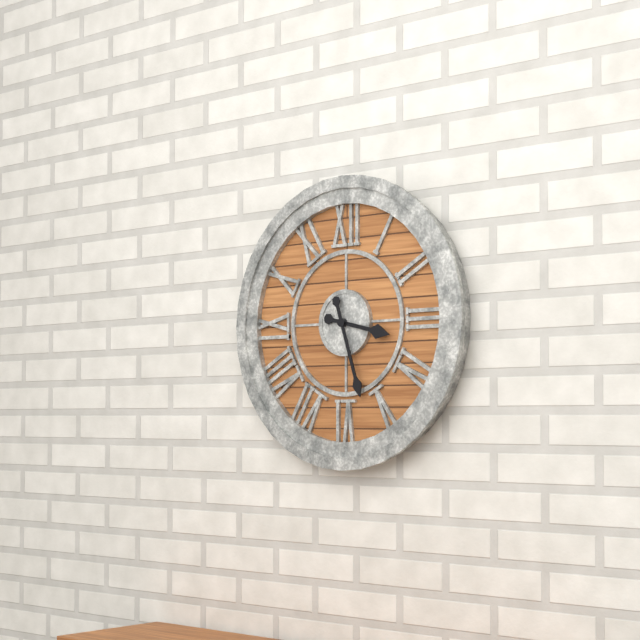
3:27
